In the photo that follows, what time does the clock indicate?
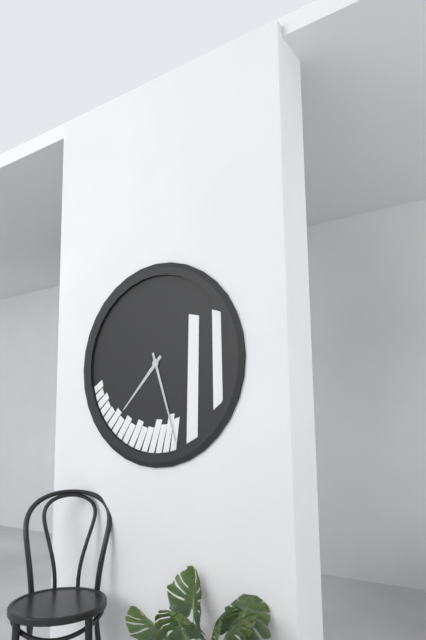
7:27
